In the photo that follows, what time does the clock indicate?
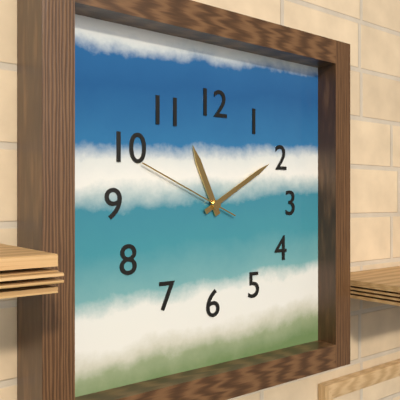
11:10:49
